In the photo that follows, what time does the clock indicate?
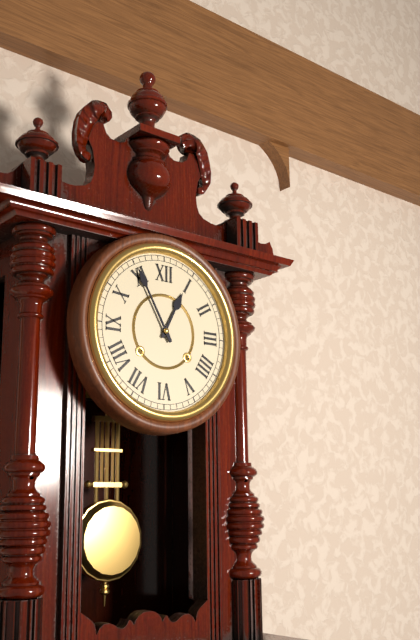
12:55
